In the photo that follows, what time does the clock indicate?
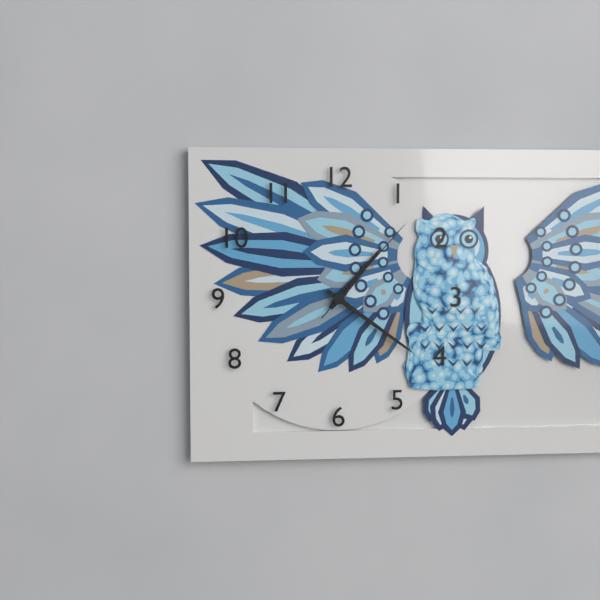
1:21:07
